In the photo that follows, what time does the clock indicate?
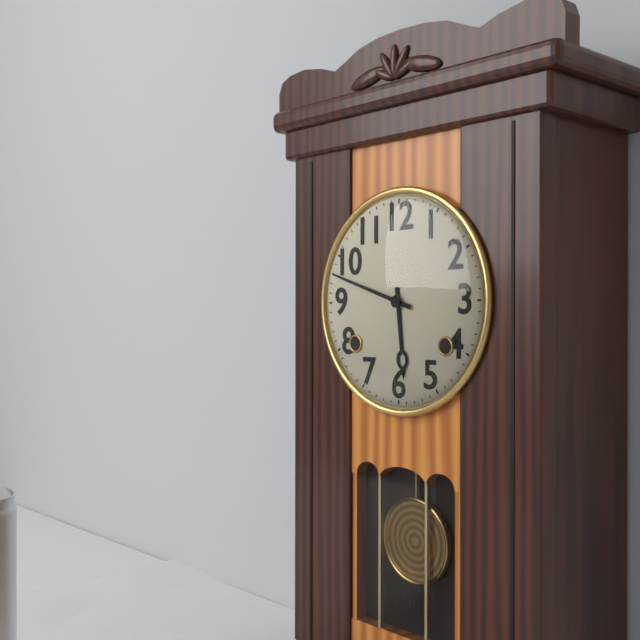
5:48
